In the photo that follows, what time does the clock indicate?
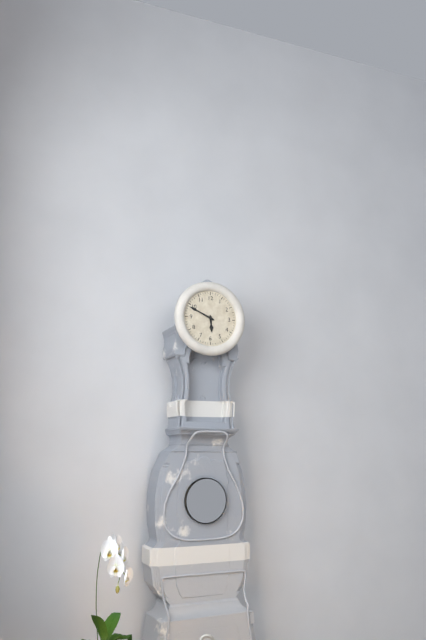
5:49
